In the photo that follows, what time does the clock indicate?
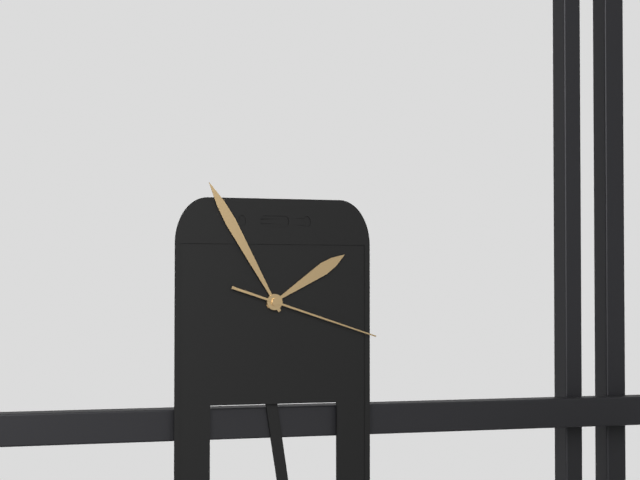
1:55:18
